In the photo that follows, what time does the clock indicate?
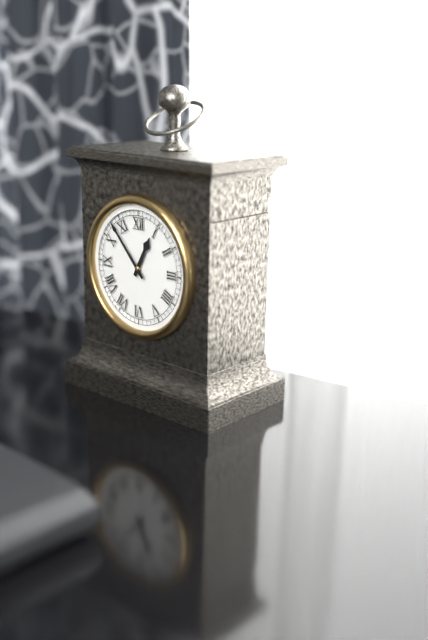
12:53
